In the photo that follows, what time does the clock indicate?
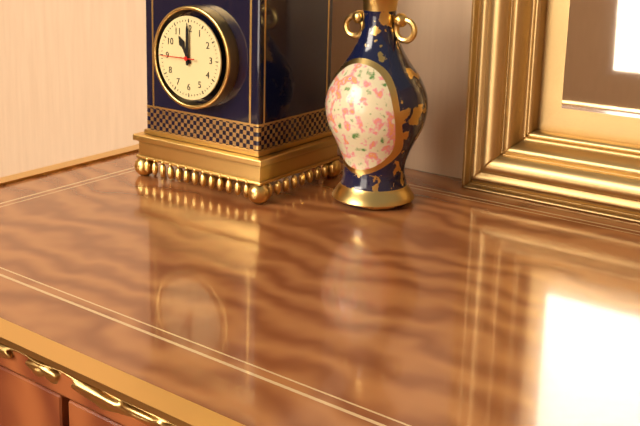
11:00
